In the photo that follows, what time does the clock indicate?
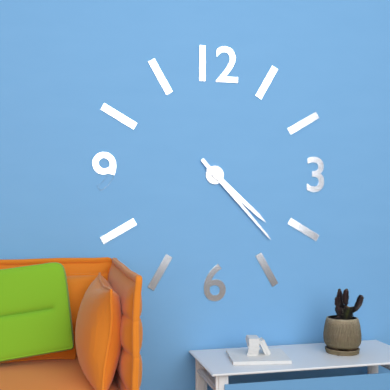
4:23
